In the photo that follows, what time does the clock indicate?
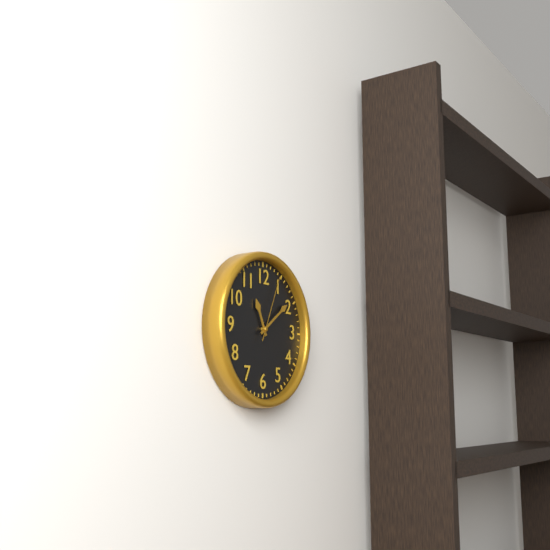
11:09:04
